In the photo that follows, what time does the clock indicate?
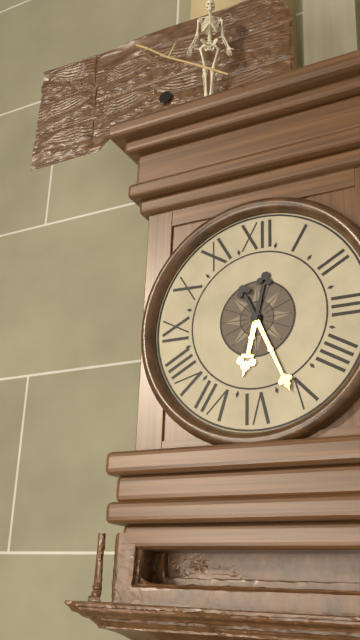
6:26
